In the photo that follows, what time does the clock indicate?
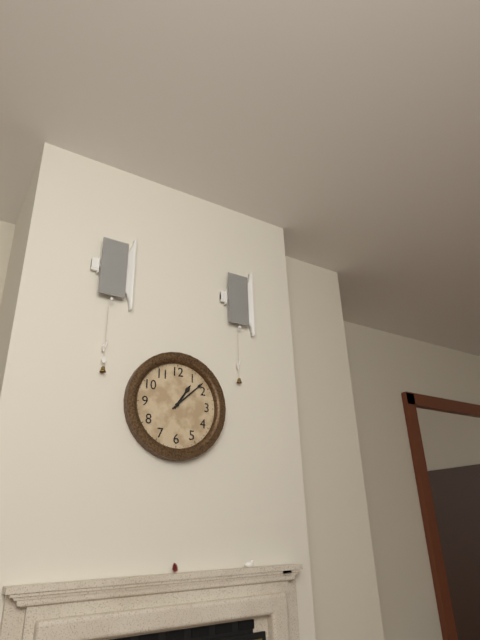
1:08
